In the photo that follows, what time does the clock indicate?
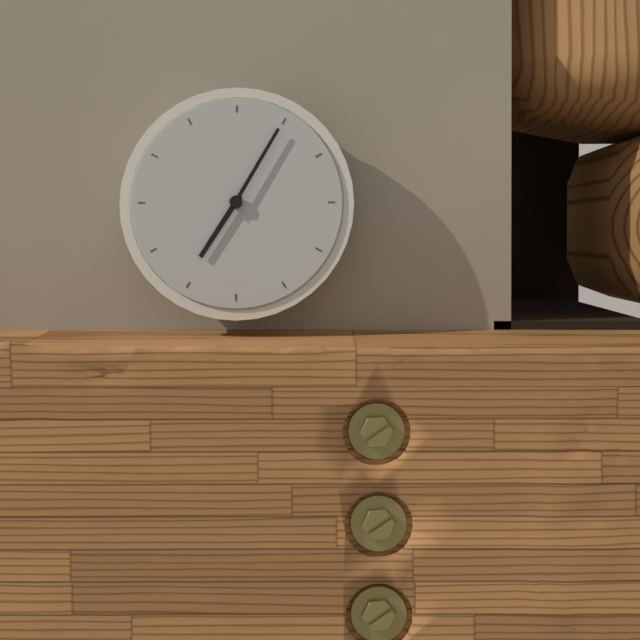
7:05
